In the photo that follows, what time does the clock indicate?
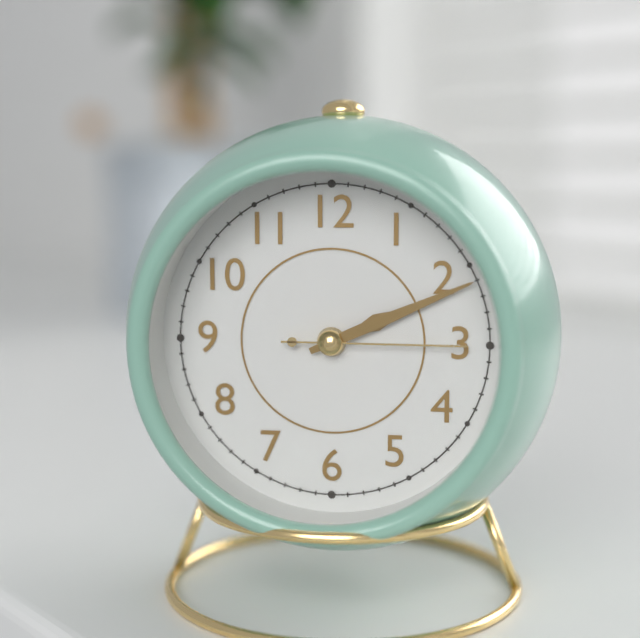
2:11:15
